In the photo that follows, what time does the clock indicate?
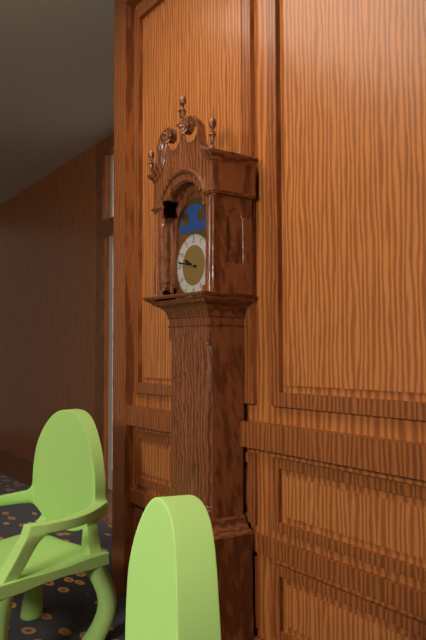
9:47
